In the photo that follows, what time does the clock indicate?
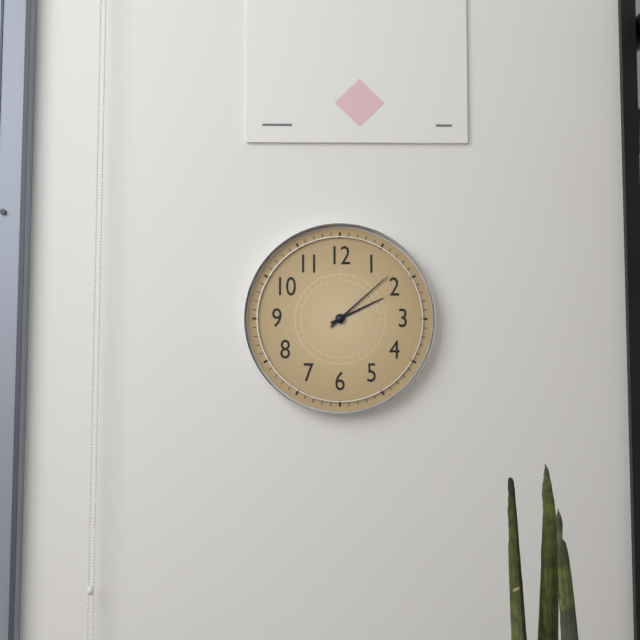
2:08
